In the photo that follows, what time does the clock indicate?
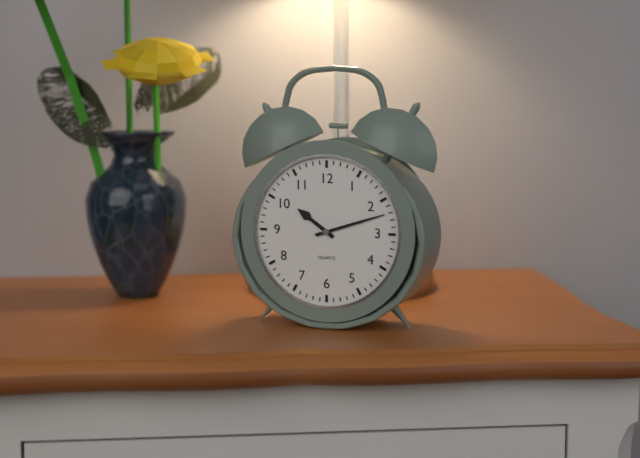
10:12
